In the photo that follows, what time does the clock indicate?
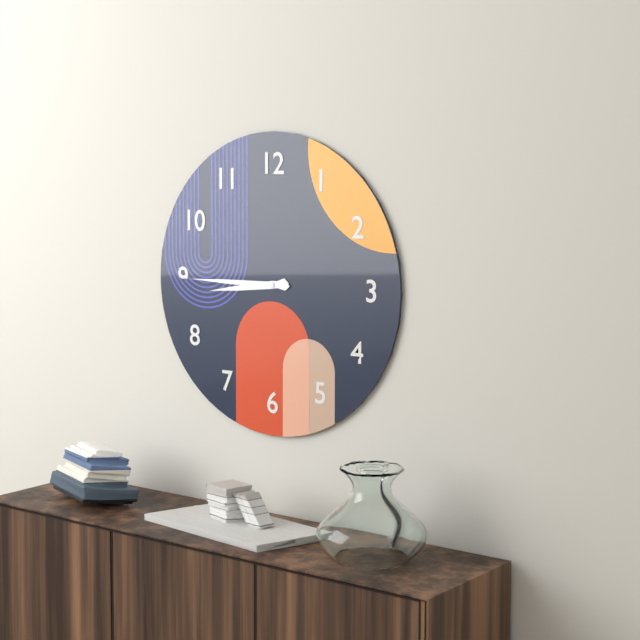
8:45
